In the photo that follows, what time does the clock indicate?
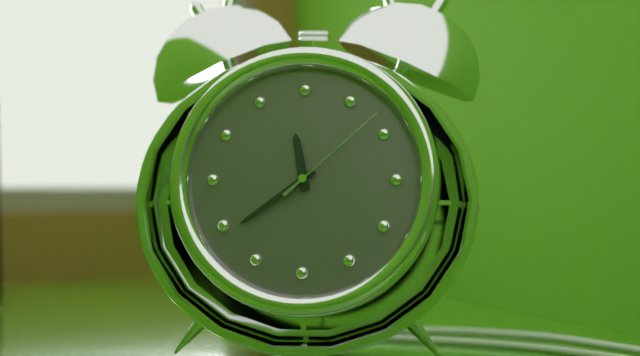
11:39:08
